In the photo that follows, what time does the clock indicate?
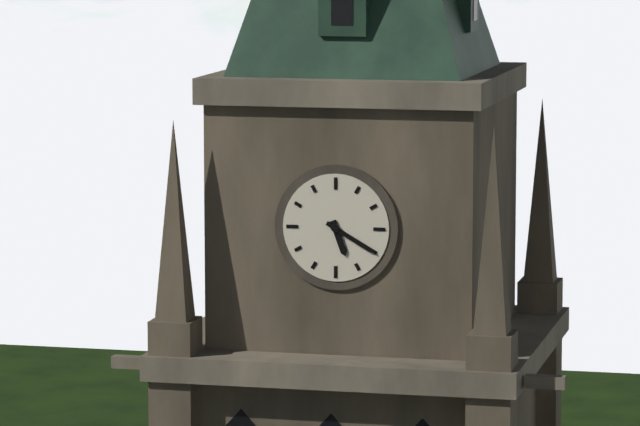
5:20
